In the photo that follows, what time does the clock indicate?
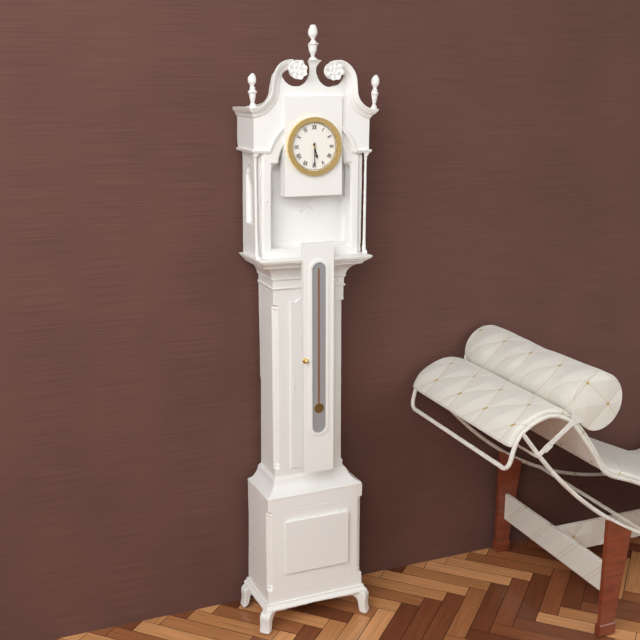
5:30
